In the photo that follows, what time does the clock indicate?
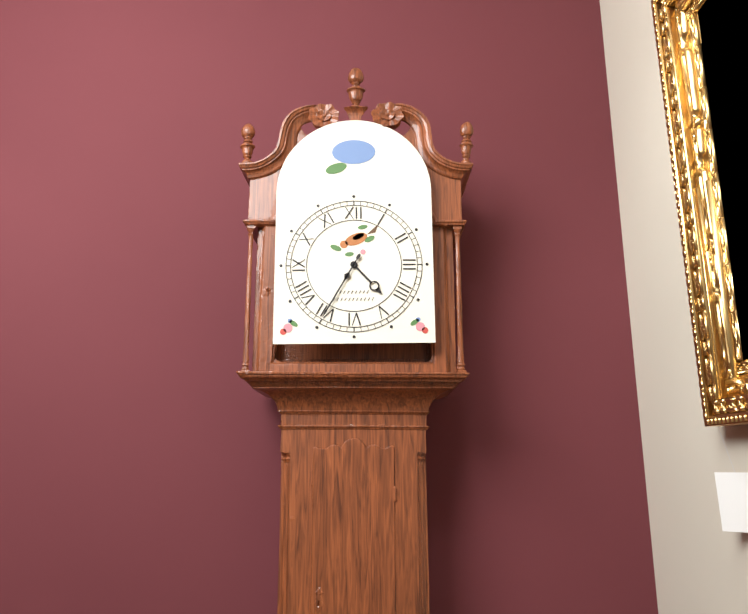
4:35
